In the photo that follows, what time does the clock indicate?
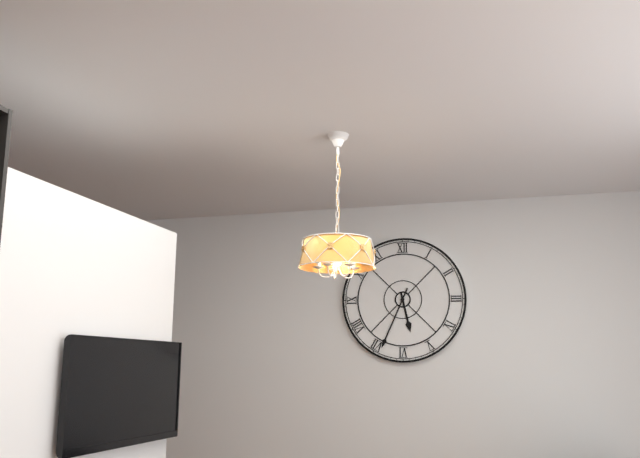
5:34
